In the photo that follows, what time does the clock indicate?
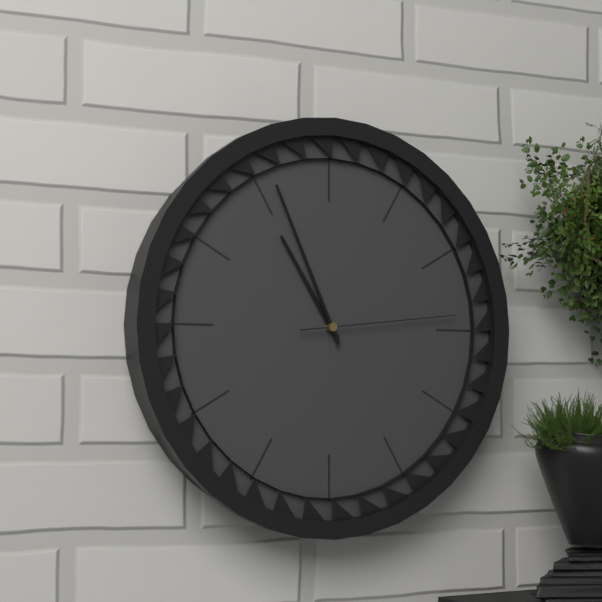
10:56:14
